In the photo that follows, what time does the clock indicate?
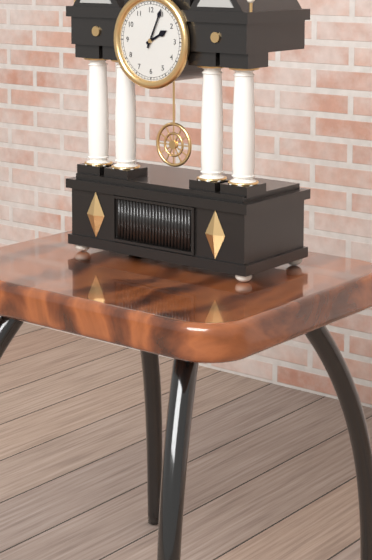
2:04
